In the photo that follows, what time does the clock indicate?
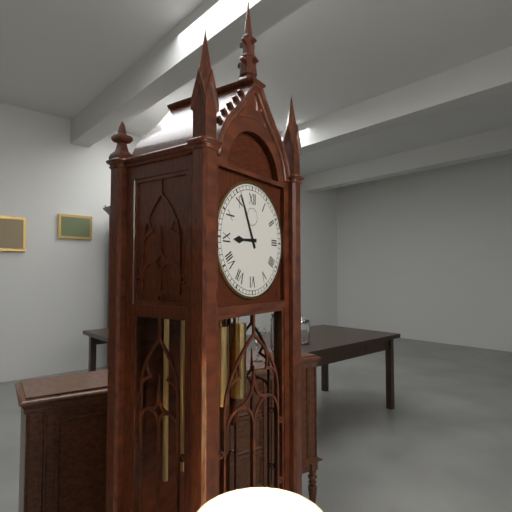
8:56
